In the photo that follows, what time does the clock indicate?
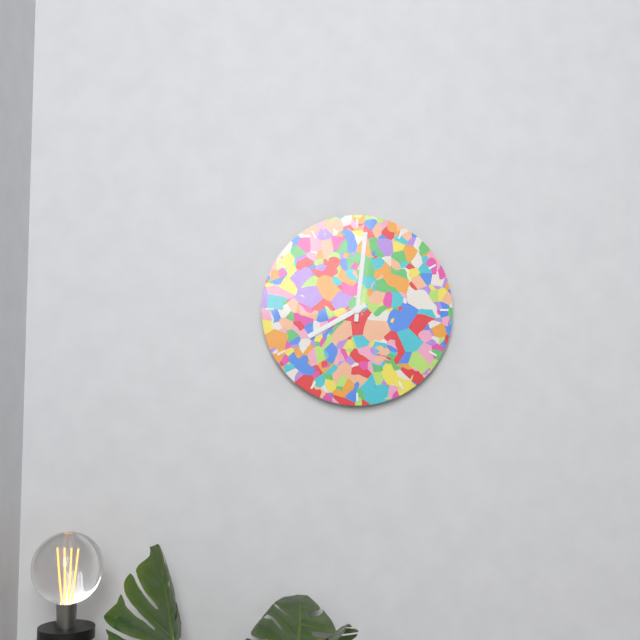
8:01
